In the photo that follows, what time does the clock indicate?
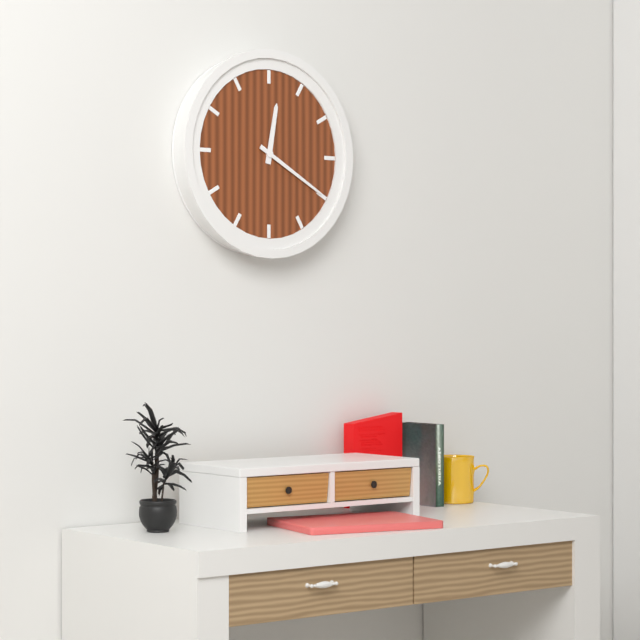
12:20
